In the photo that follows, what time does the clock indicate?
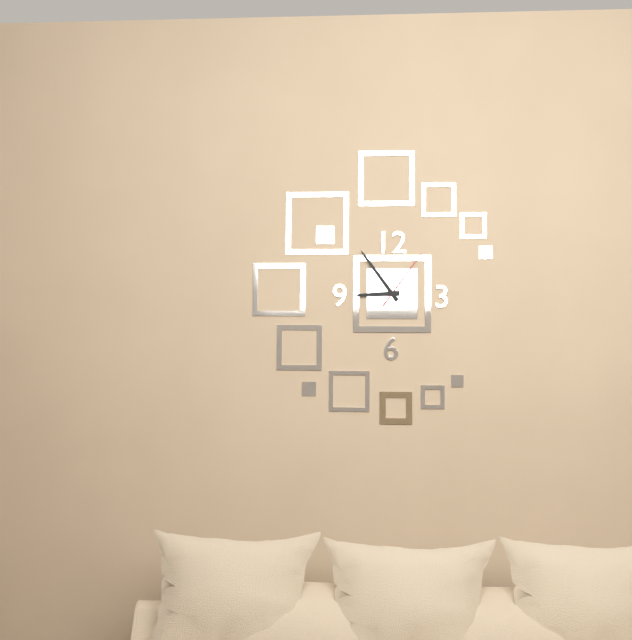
8:54:06
